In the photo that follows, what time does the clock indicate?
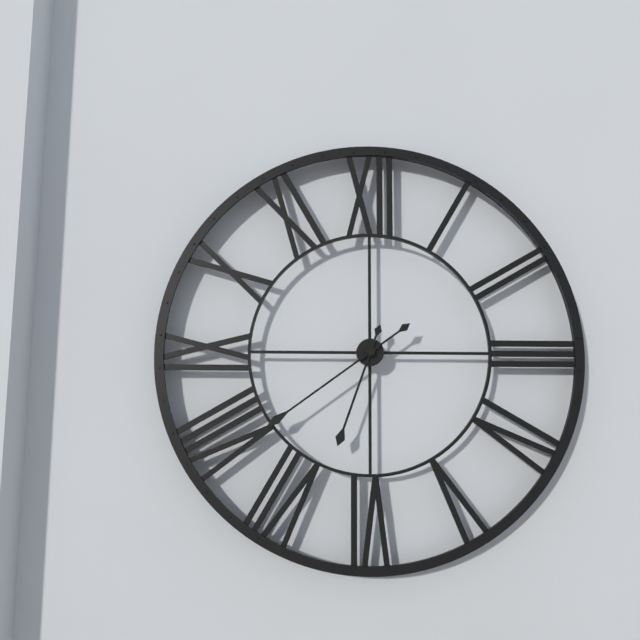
6:39
